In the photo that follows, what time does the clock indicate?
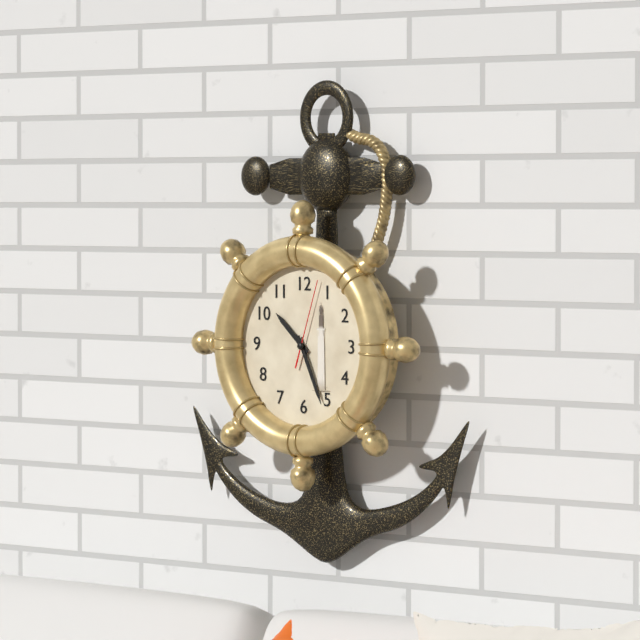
10:26:03
